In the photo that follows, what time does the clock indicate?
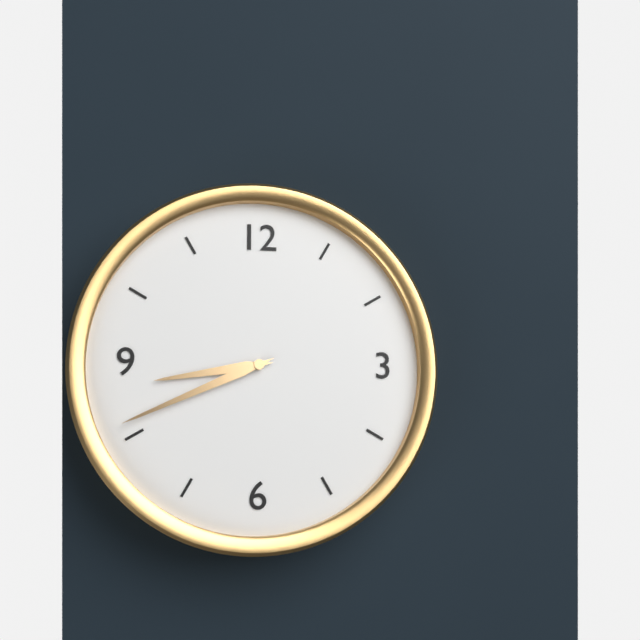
8:41
